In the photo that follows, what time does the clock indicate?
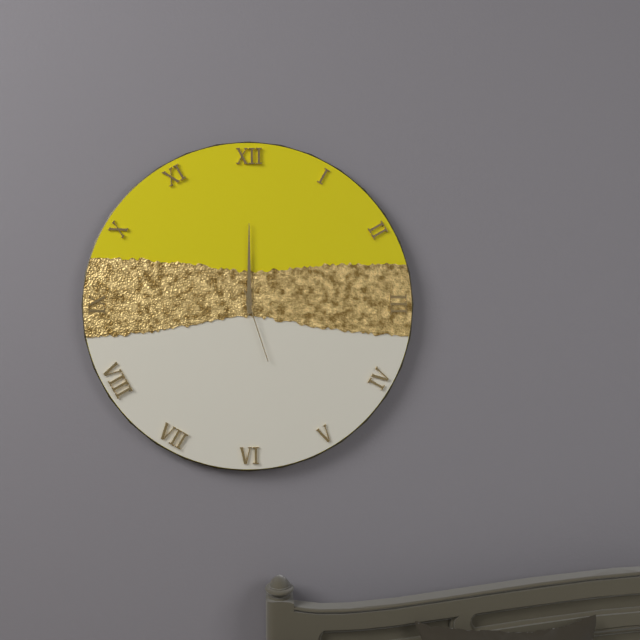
12:00:27
